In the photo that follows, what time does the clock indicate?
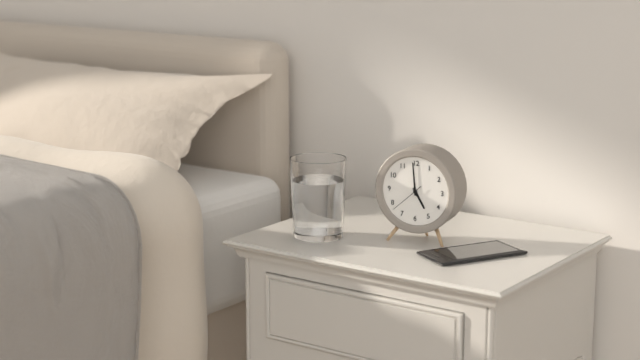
4:59
